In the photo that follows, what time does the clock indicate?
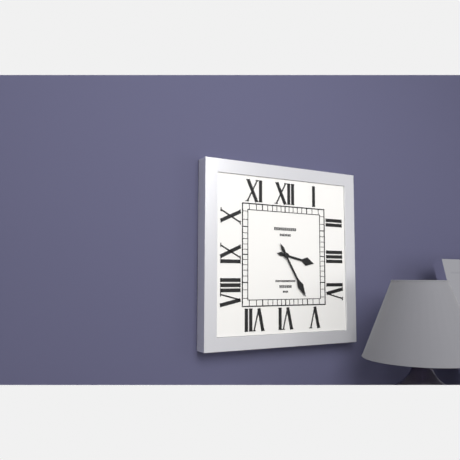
3:25
